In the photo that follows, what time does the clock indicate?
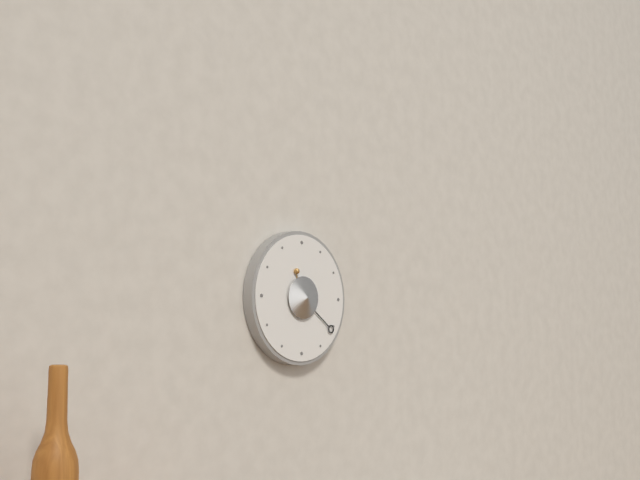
11:21
